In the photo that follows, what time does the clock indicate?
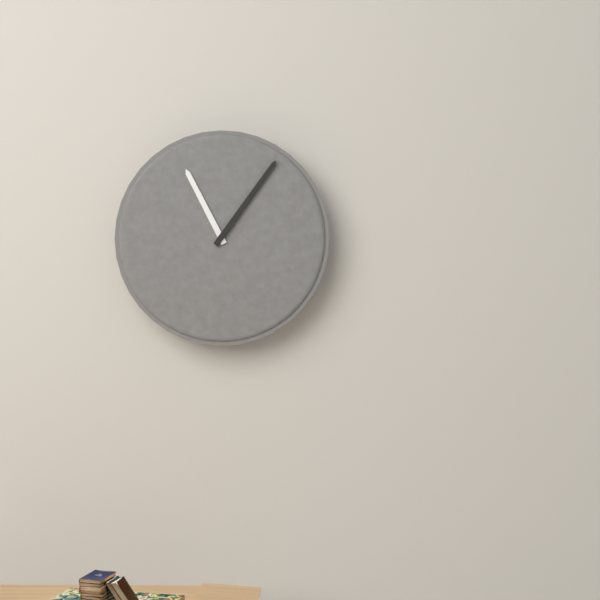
11:06
